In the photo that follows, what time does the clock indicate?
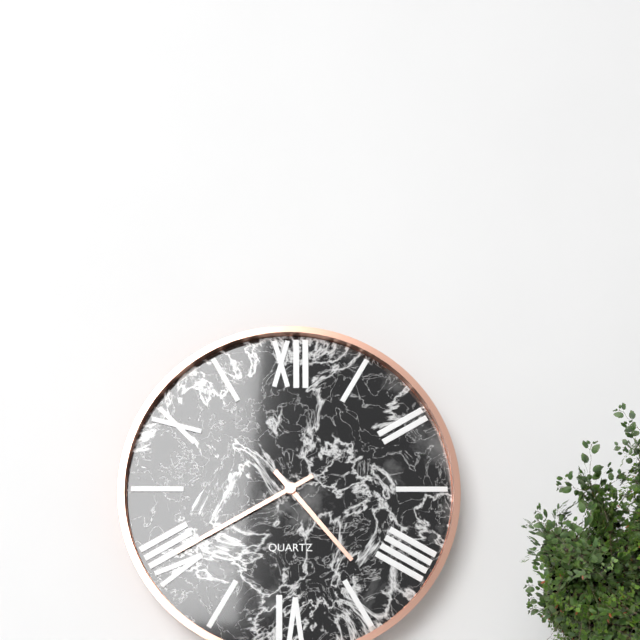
4:40
